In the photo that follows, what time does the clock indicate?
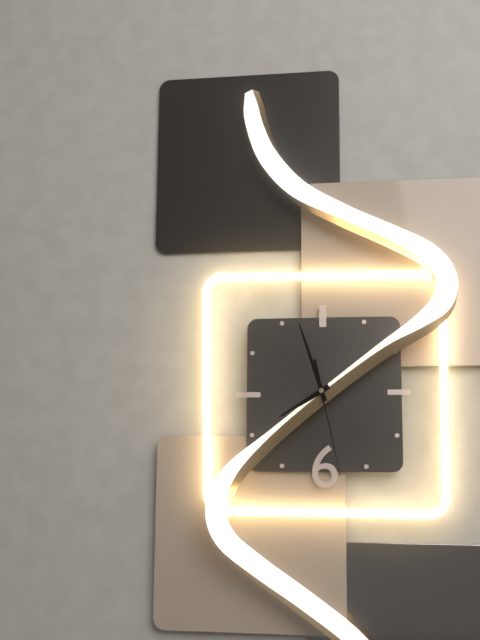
7:57:28
